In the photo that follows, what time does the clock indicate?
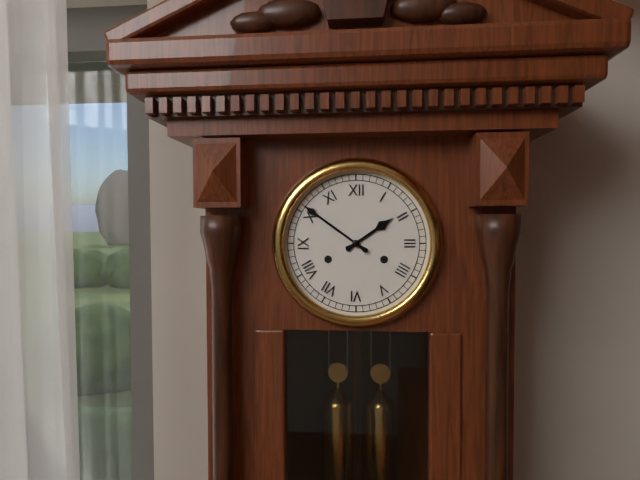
1:51
